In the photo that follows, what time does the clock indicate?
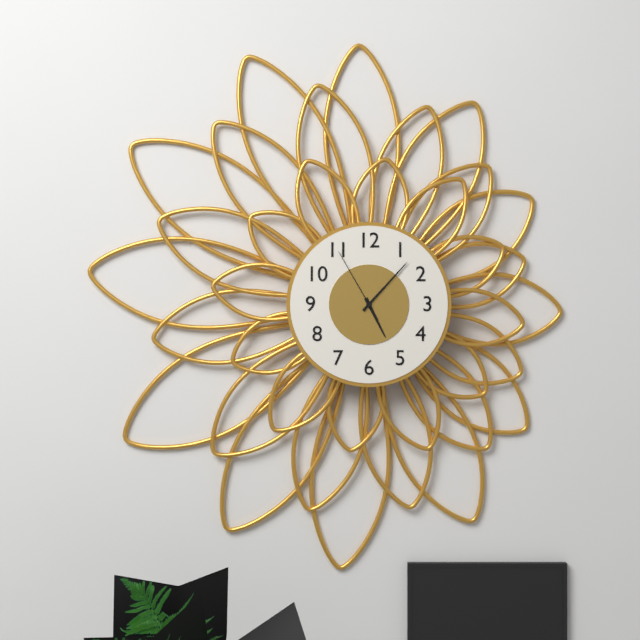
5:07:55
